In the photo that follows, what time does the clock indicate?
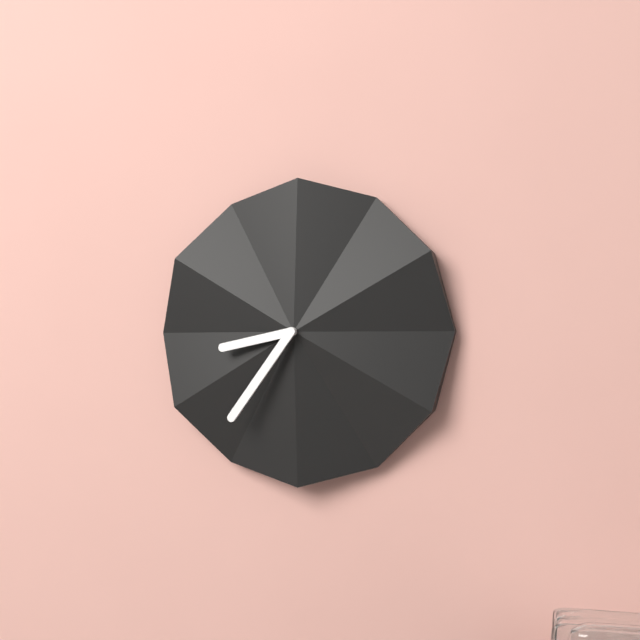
8:36
